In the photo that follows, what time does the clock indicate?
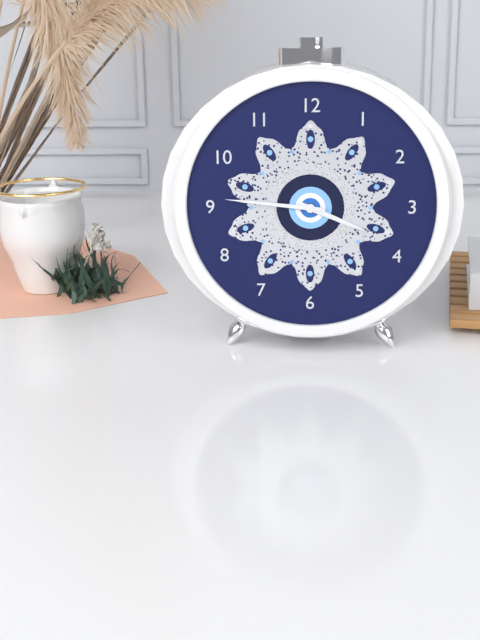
3:46
